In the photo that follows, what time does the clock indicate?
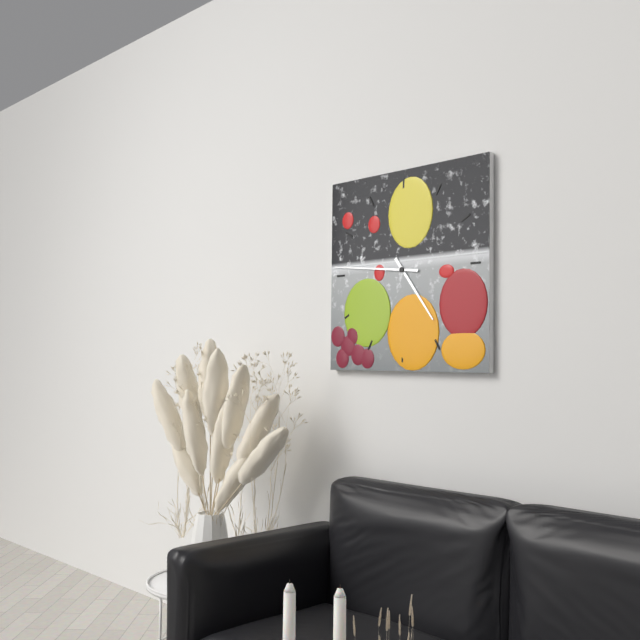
4:46
